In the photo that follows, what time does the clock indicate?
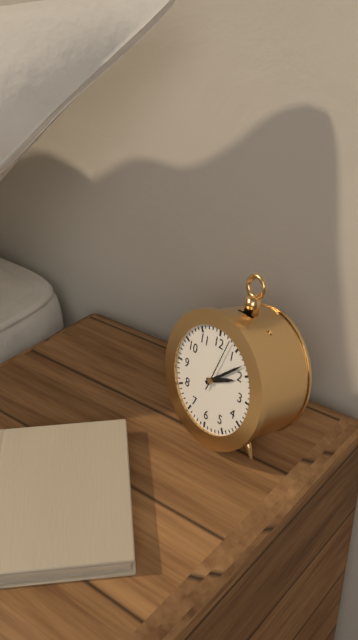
2:08:03
